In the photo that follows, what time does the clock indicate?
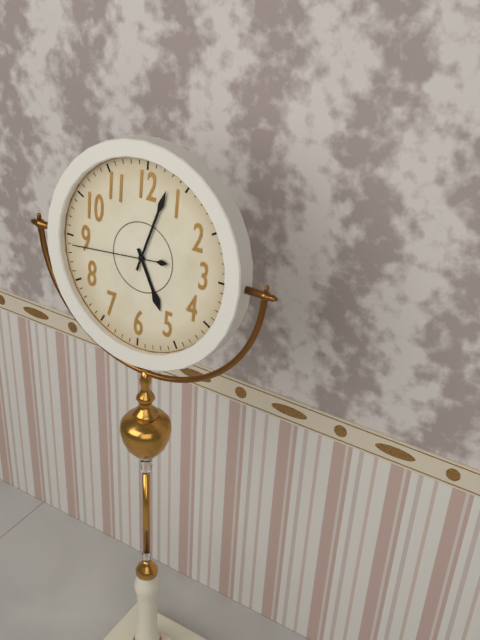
5:03:44
